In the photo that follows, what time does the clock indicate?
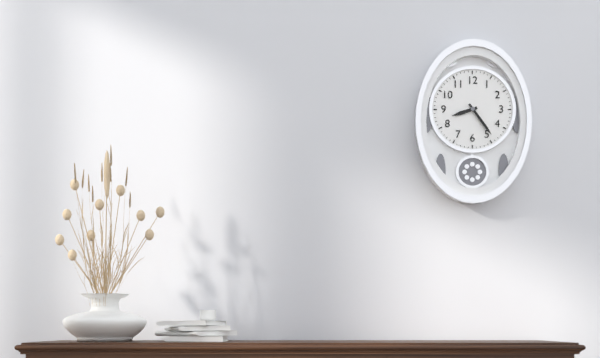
8:24
